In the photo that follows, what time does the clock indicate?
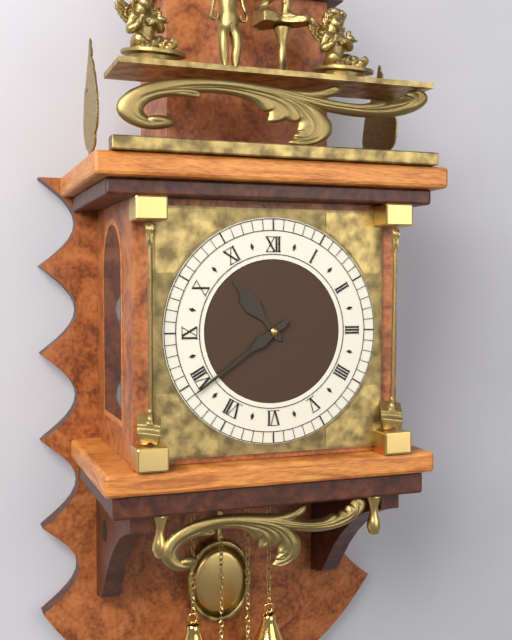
10:39
